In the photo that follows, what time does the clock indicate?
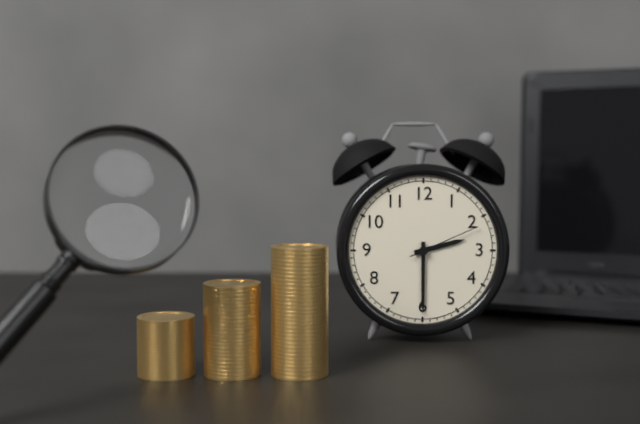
2:30:11
